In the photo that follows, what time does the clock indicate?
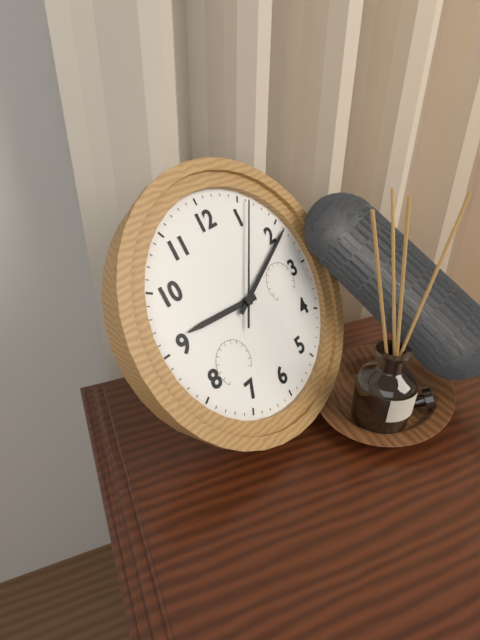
9:11:06
